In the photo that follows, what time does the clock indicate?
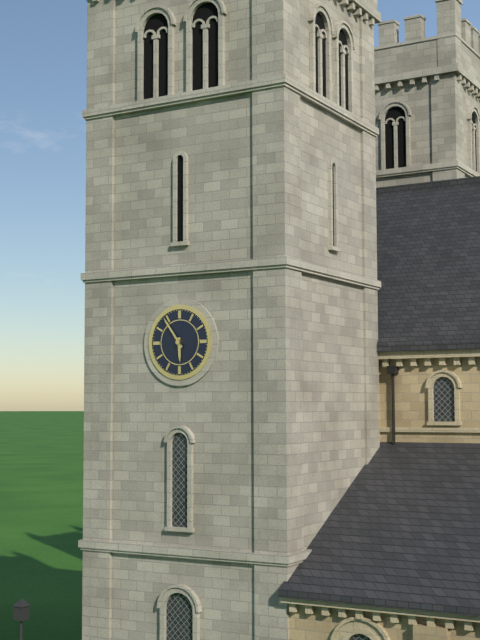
5:54
